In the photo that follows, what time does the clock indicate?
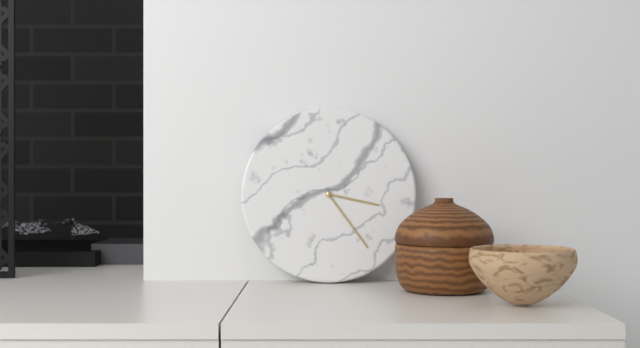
3:24
